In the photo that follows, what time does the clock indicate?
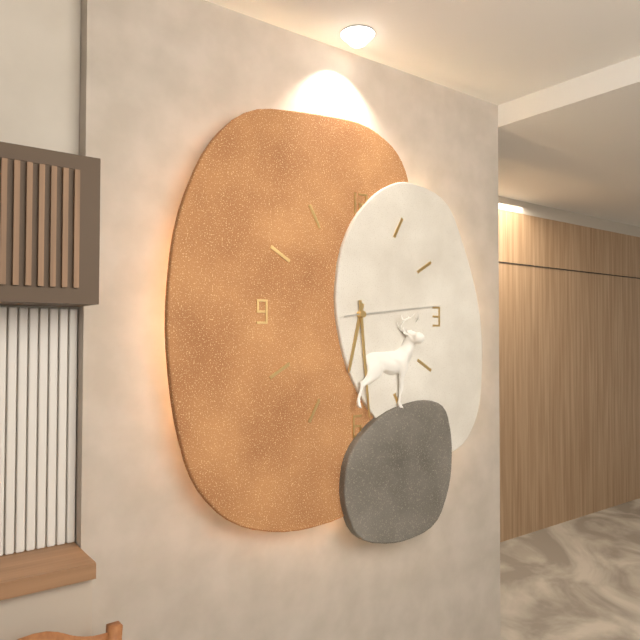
6:29:14
